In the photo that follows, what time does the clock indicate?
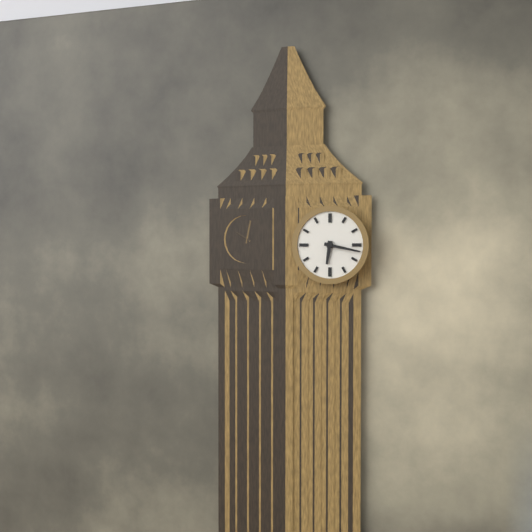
6:17
